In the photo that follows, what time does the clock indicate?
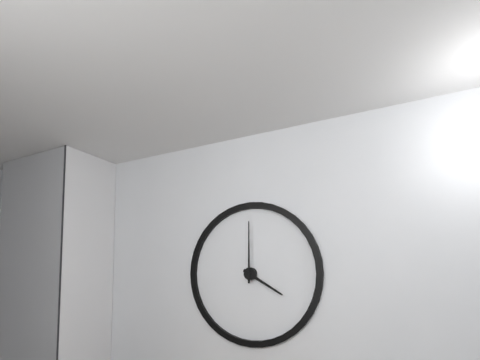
4:00
